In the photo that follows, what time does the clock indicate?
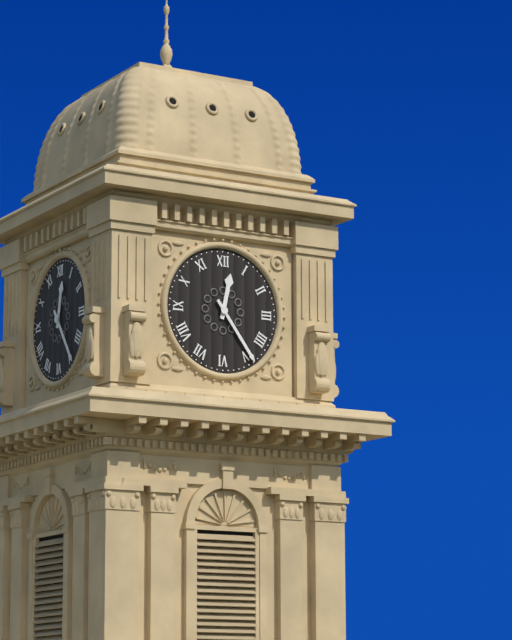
12:24
